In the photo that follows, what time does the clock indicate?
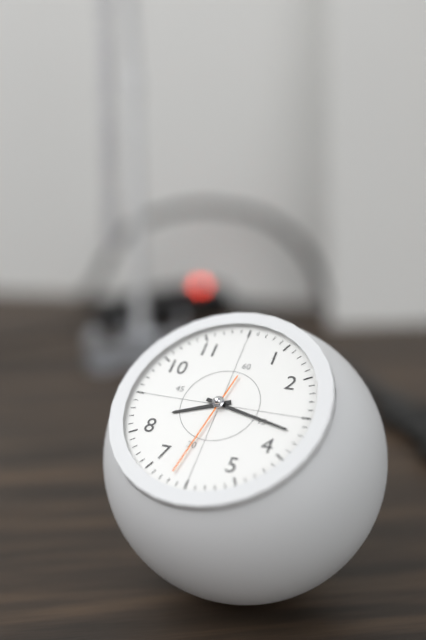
8:17:32
